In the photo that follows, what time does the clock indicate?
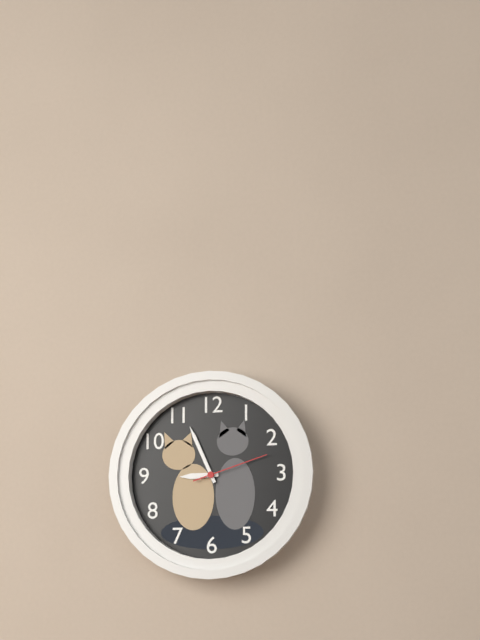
8:56:12
